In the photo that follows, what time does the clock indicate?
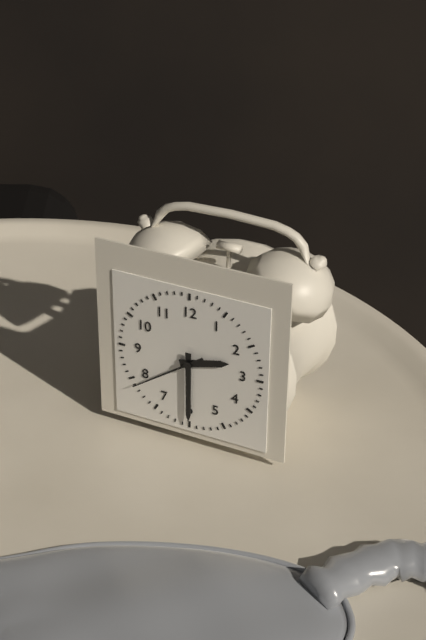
2:30:39
